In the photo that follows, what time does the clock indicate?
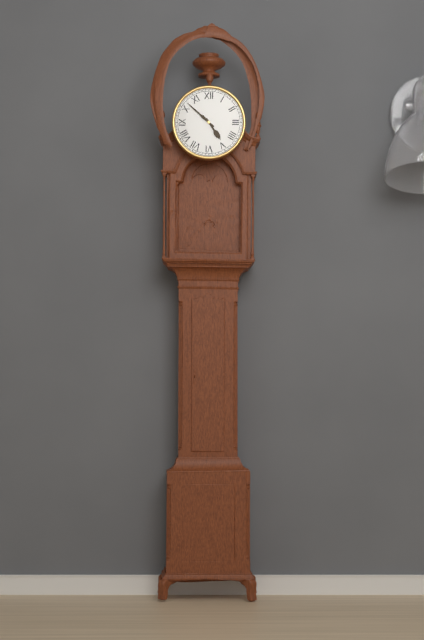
4:52
